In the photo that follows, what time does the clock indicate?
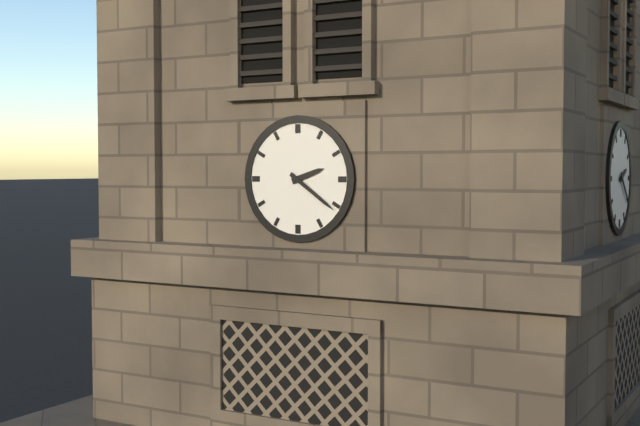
2:21
